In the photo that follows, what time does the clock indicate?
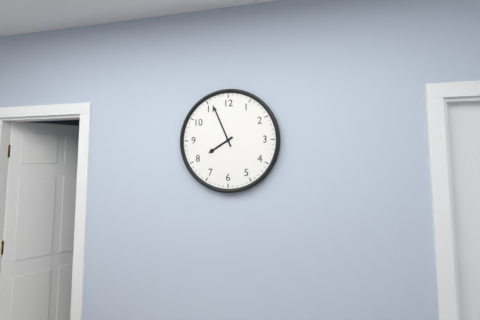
7:56
